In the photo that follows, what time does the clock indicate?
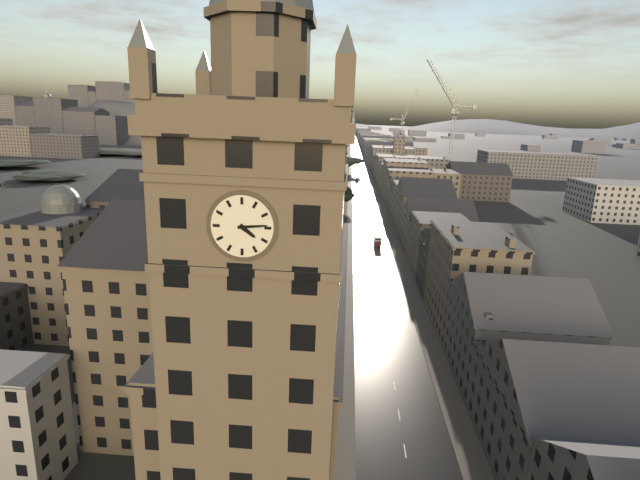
4:14
